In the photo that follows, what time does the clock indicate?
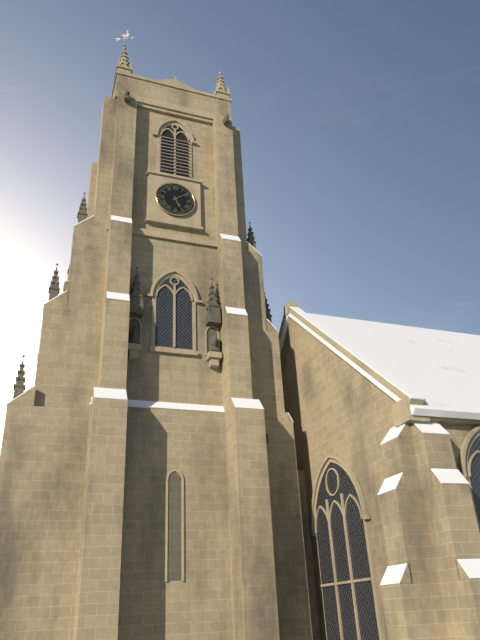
5:09
